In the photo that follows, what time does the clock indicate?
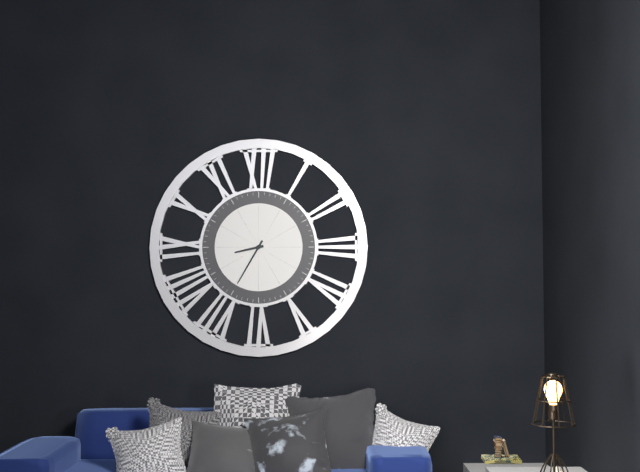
8:35
